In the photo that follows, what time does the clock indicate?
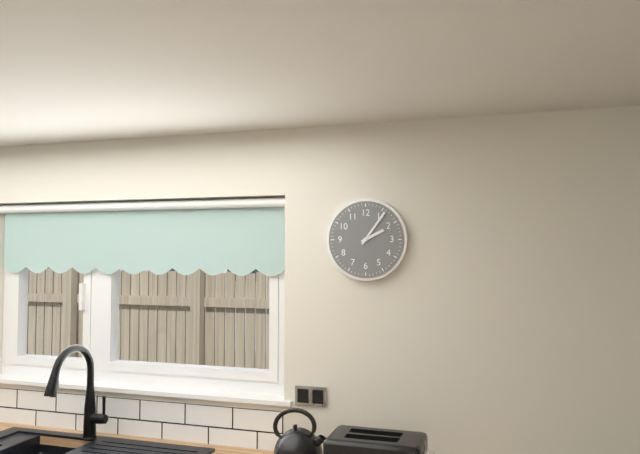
2:06
